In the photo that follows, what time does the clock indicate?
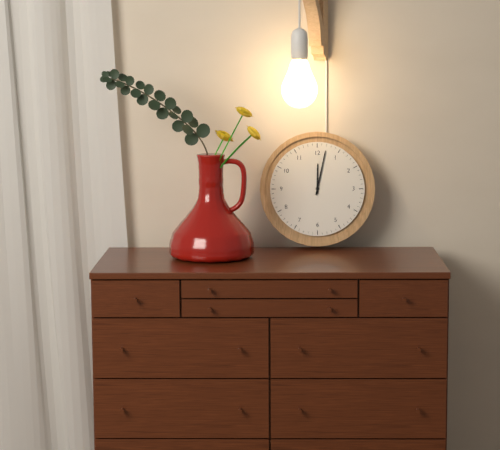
12:02
